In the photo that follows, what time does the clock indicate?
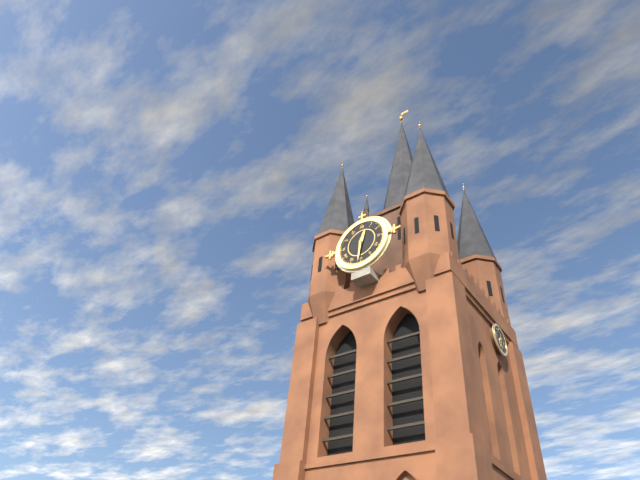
12:31
